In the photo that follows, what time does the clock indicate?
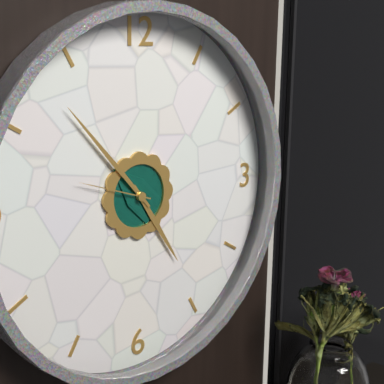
4:53:48
